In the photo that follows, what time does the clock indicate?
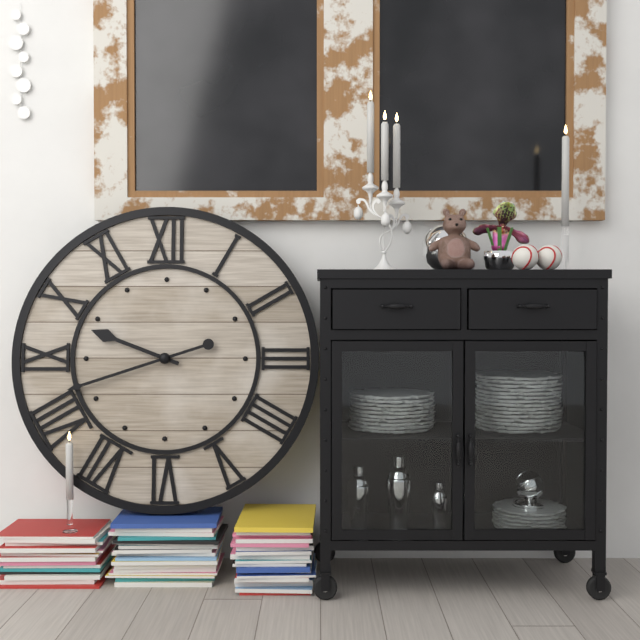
9:42
